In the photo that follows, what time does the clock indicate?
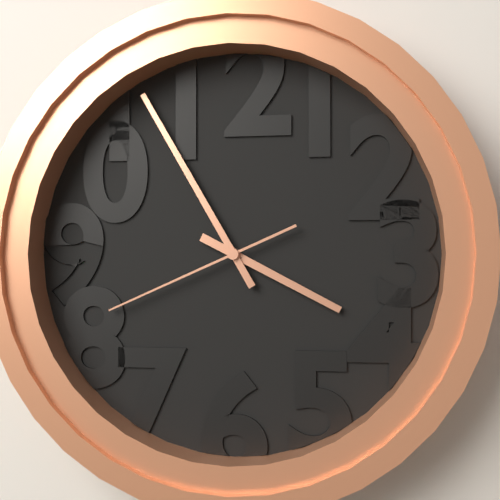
3:55:41
